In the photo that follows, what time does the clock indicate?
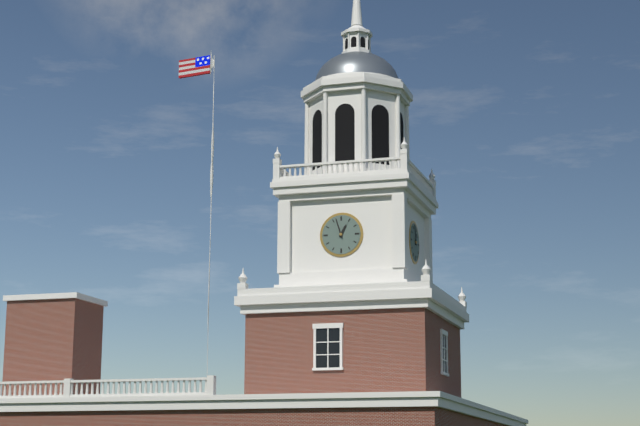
12:57
